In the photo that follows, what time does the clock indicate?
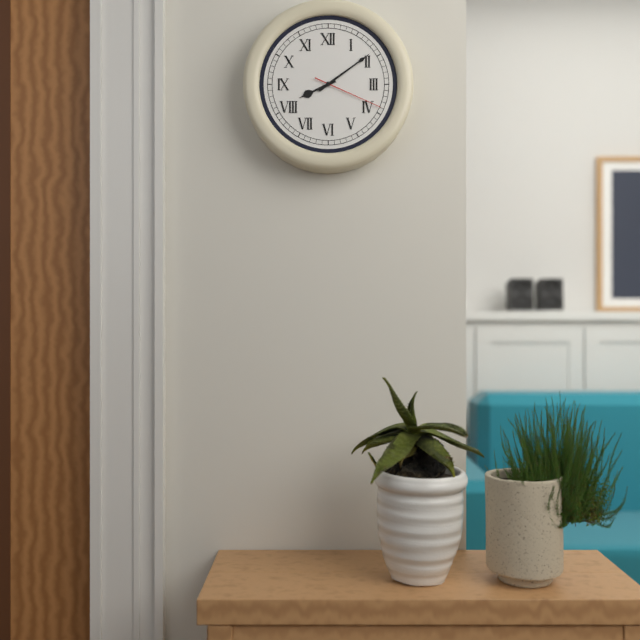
8:09:19
